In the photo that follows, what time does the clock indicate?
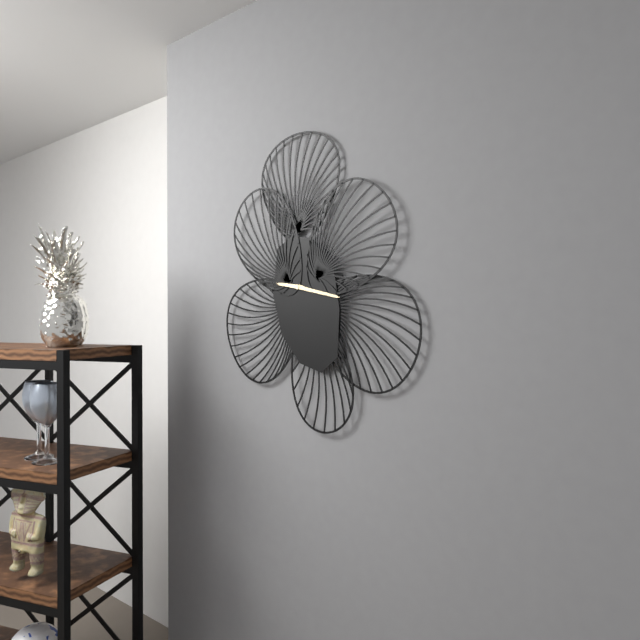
9:17
